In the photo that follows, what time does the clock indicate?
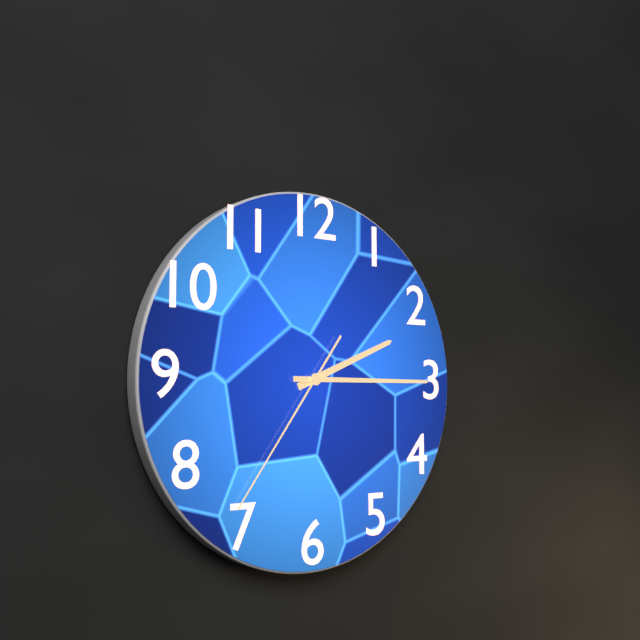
2:15:36
